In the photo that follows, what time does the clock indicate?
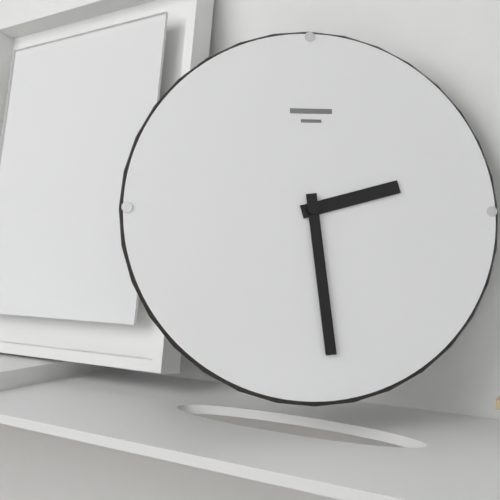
2:29
